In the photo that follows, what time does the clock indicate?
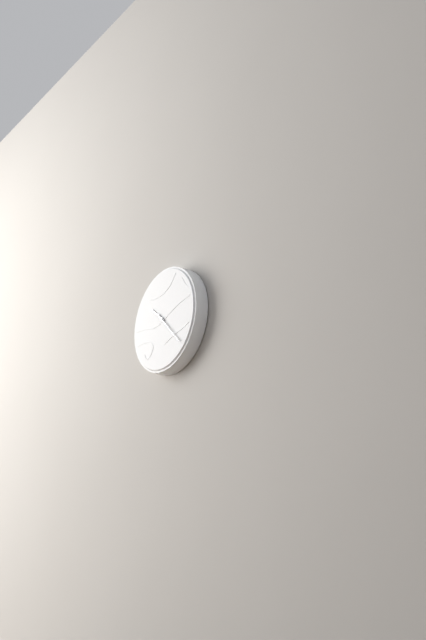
10:23
